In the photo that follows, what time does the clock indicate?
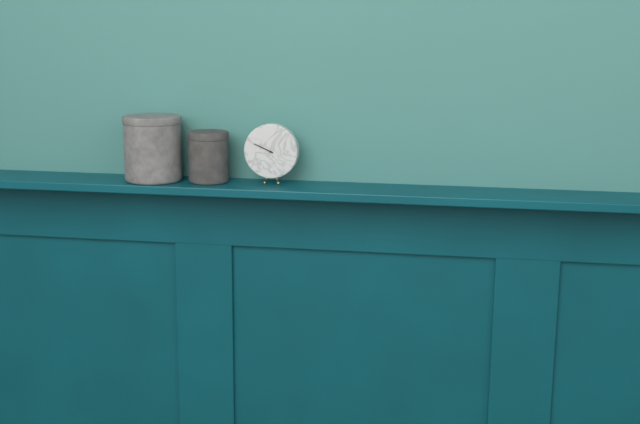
9:49
